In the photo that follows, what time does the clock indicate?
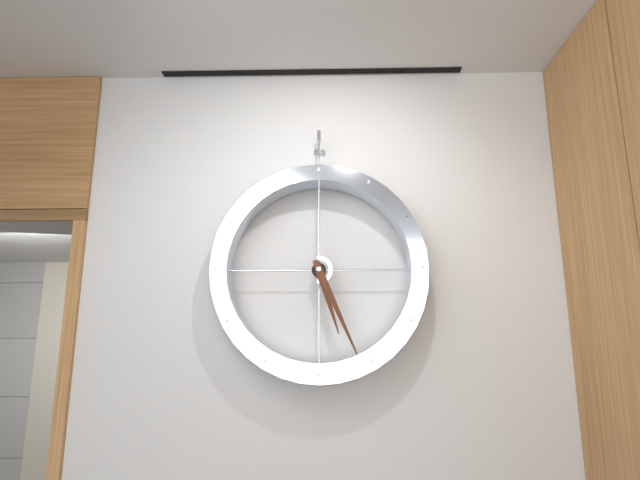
5:26
